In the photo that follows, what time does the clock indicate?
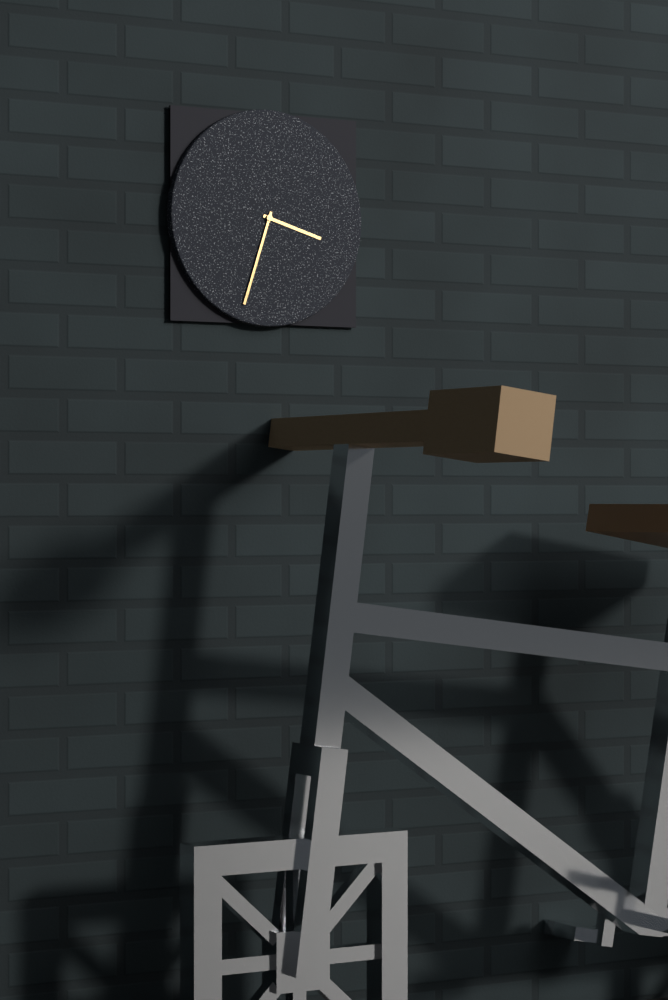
3:33
